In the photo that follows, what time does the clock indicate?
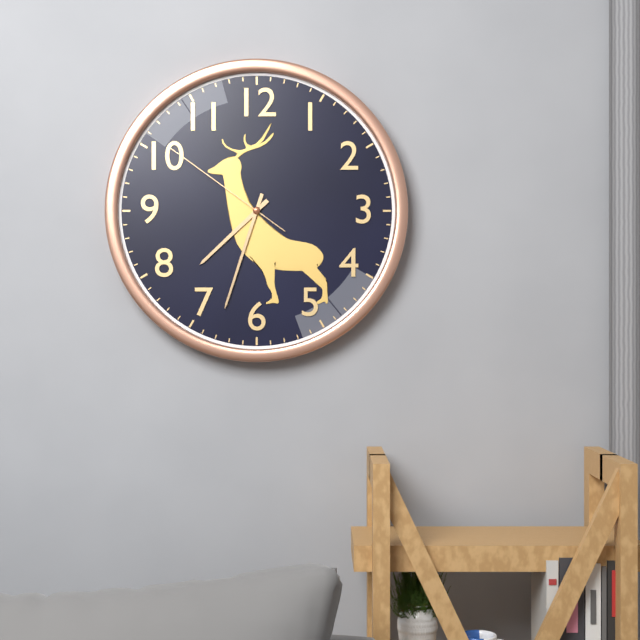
7:33:51
